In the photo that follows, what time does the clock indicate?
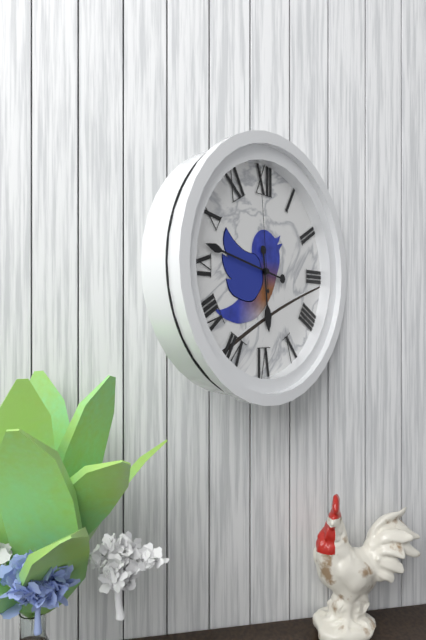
5:47:59
